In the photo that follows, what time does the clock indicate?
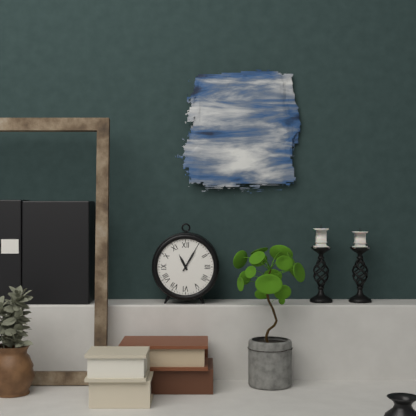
11:05
